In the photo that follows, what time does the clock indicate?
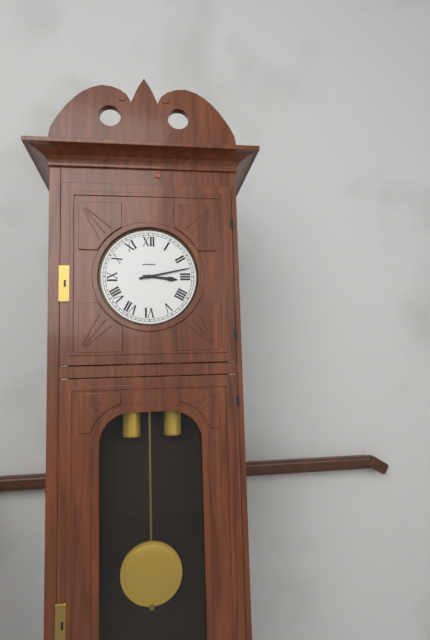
3:13
